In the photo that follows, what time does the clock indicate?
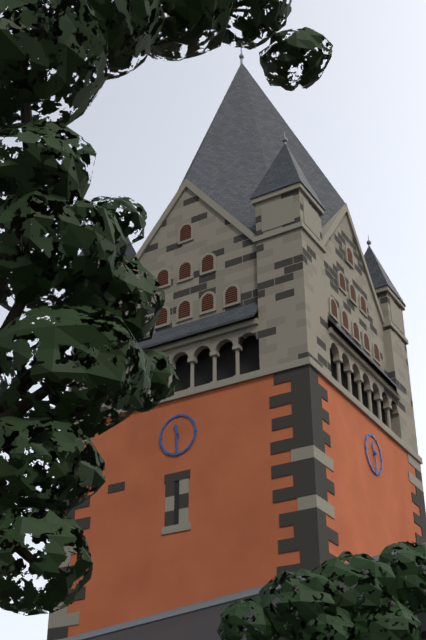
11:30
